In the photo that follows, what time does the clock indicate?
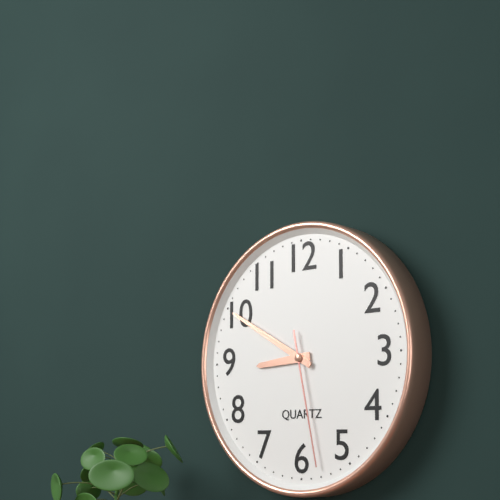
8:50:28
